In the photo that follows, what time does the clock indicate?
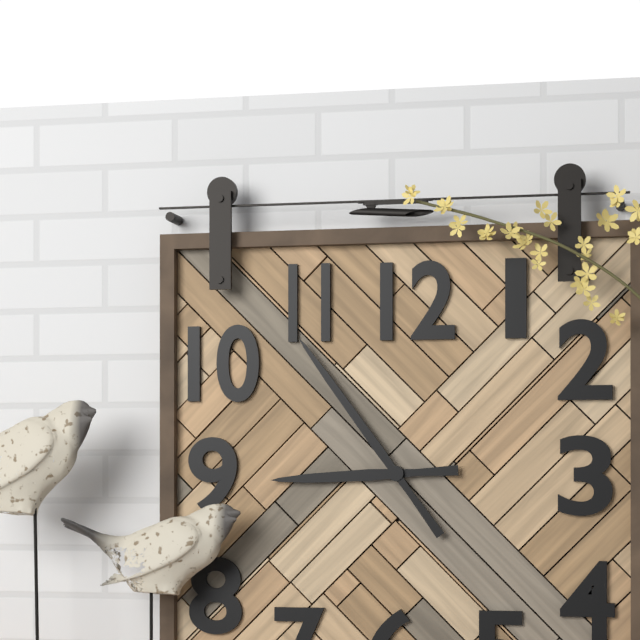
8:54
